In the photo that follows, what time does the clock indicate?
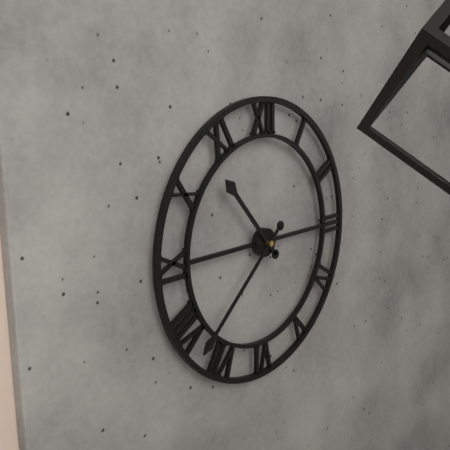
10:38
